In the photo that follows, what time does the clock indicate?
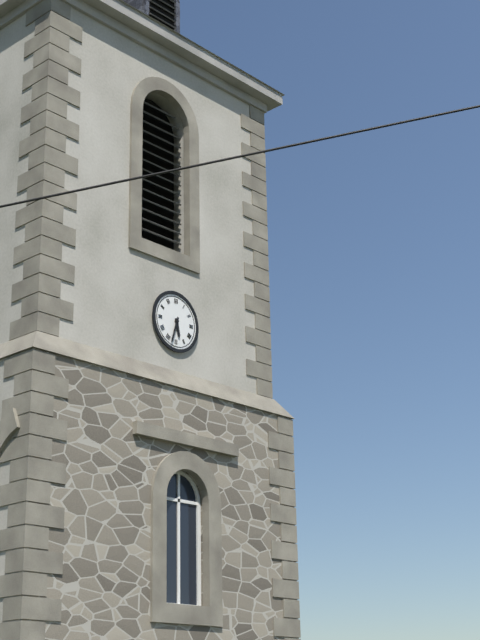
5:33
